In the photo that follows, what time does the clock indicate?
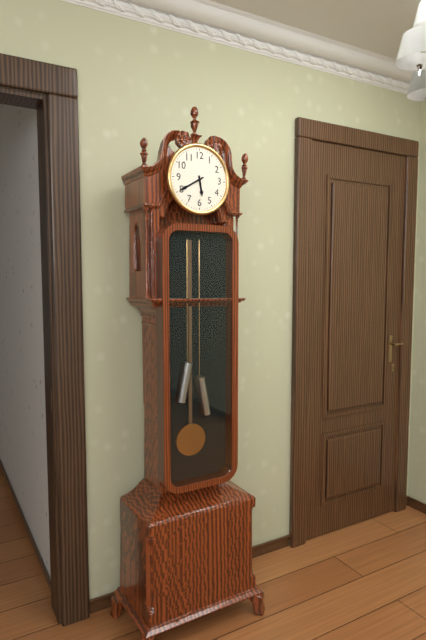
5:40
